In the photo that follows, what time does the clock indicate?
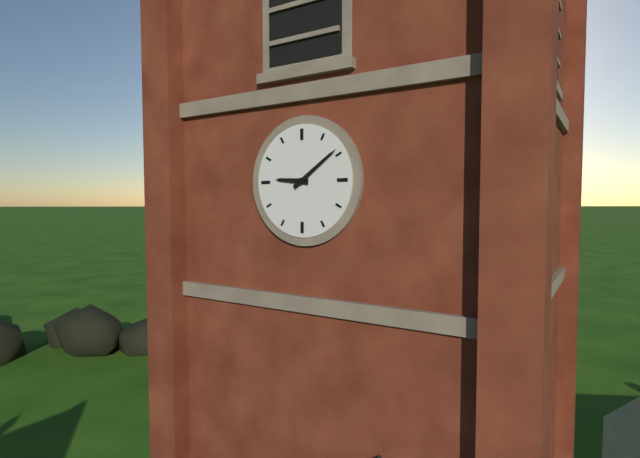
9:09
